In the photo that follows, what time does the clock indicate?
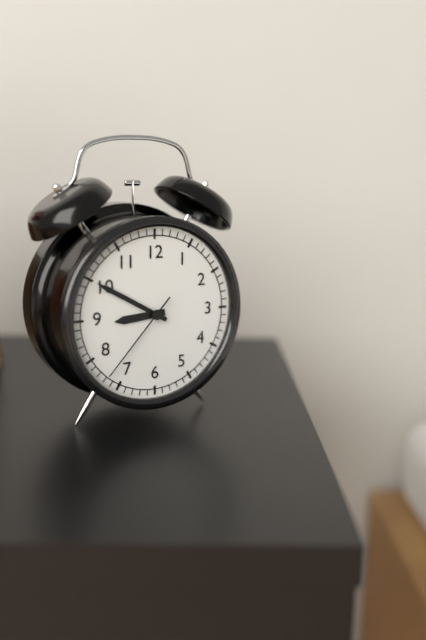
8:50:37
